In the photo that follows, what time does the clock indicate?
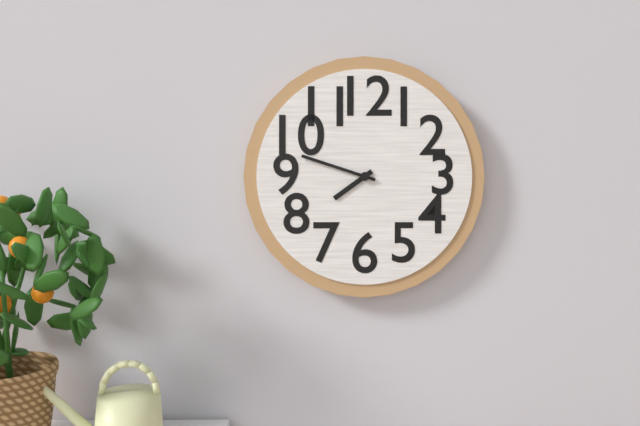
7:48
